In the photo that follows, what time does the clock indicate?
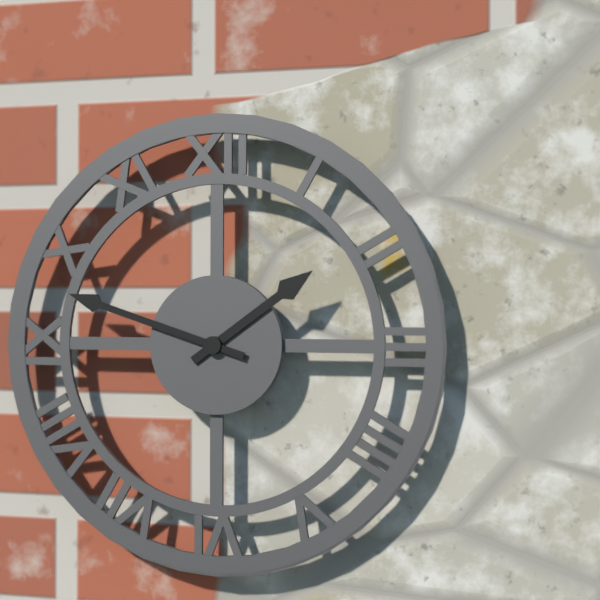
1:48
